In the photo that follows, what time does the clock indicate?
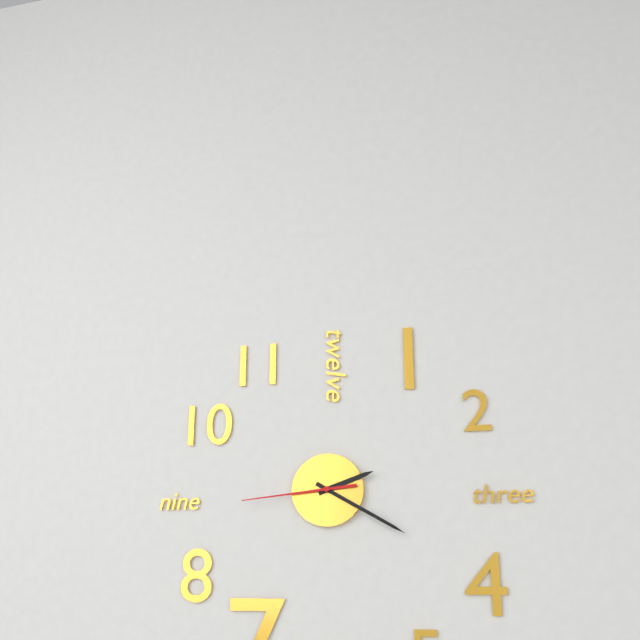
2:20:44
